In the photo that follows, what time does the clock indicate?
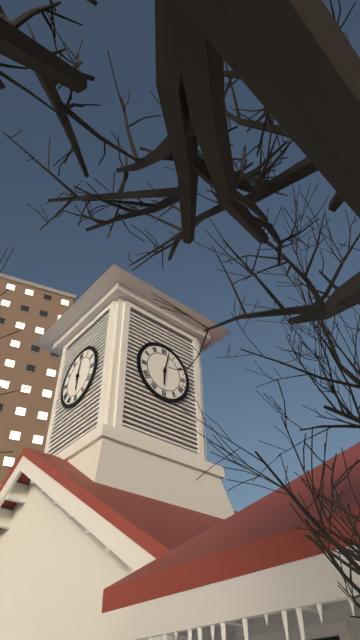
6:02
